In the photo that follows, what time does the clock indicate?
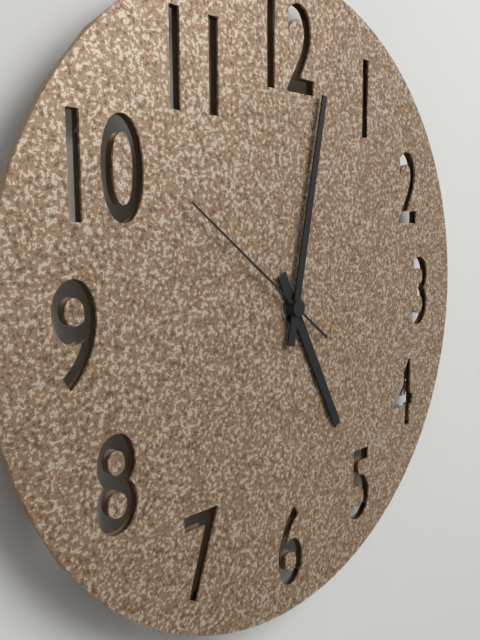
5:02:51
